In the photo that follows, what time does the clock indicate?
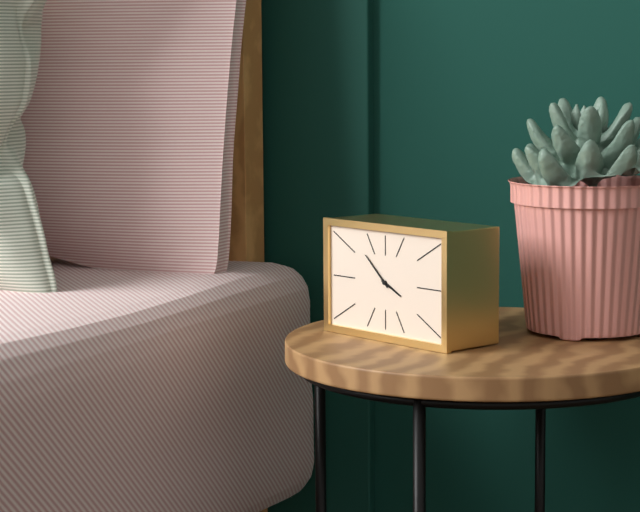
3:52
